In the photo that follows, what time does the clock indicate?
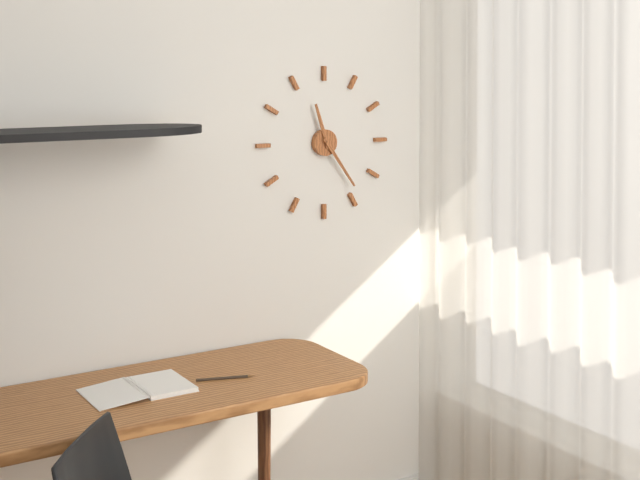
11:24
